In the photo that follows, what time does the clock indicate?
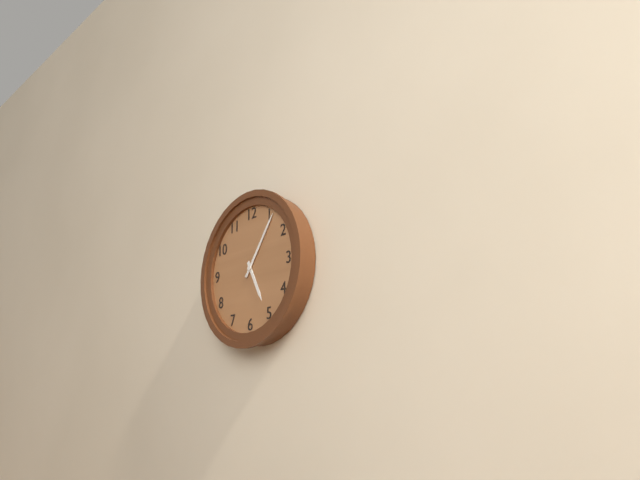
5:06
